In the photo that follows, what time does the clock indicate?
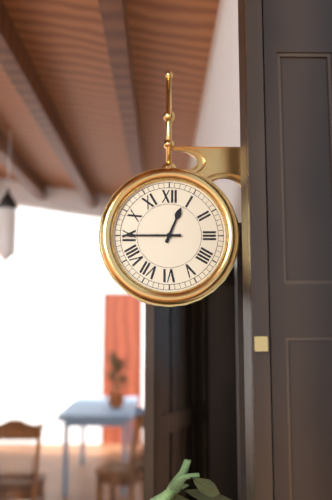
12:45
